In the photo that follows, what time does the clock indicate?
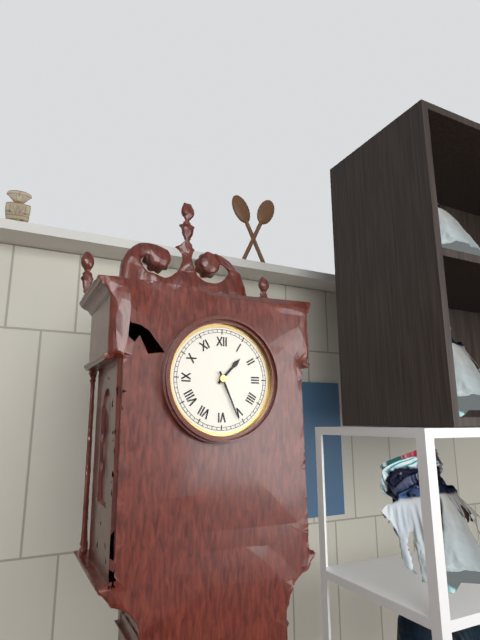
1:26
